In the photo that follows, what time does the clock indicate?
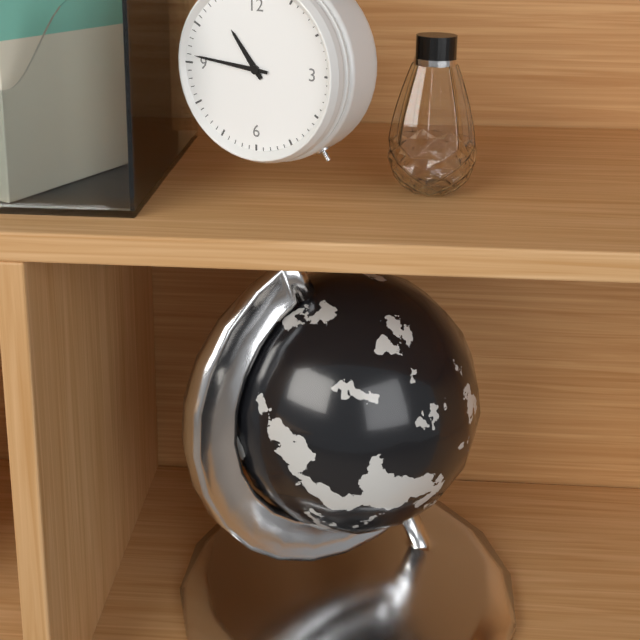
10:46
